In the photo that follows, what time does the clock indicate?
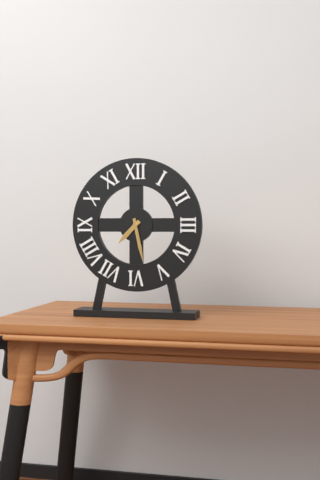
7:28
